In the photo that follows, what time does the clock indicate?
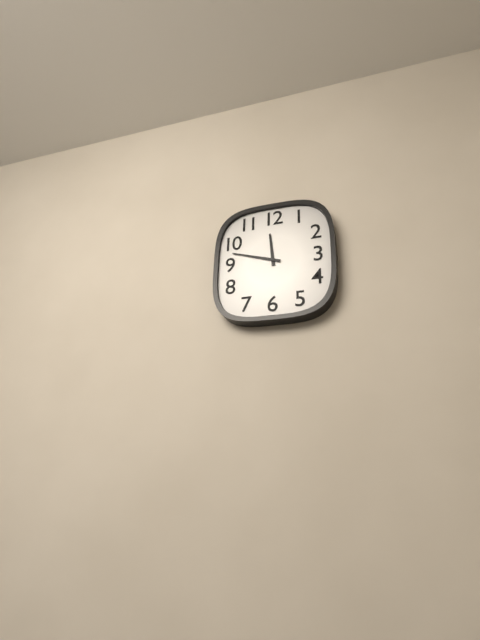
11:48
